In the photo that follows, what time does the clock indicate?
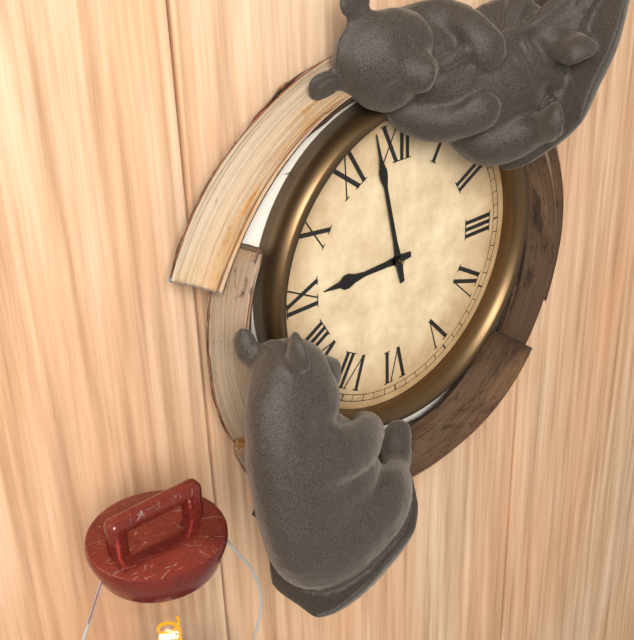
8:58
